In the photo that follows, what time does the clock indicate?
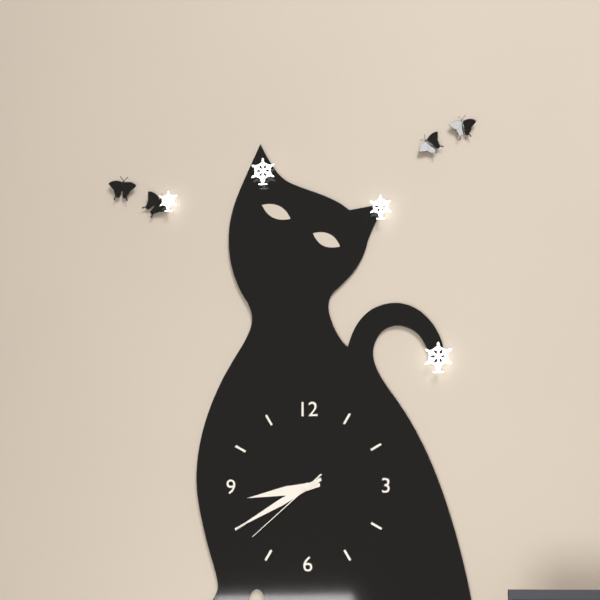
8:40:38
